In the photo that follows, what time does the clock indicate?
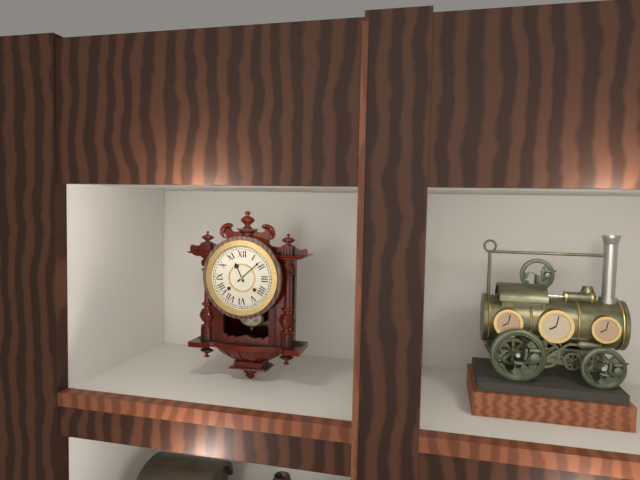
11:08
